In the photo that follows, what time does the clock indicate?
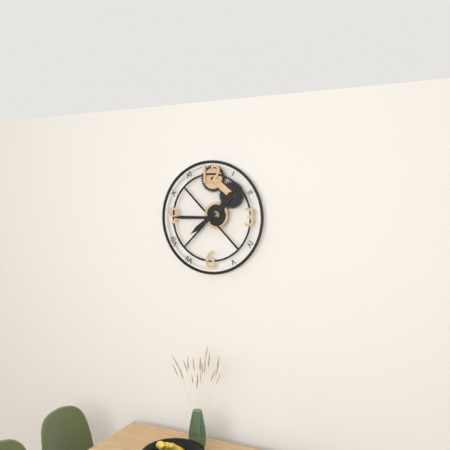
7:45
